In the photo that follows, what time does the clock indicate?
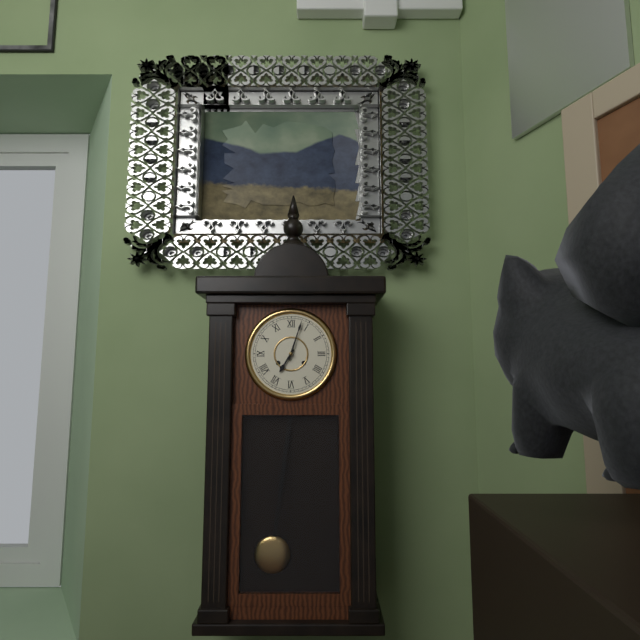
7:03
